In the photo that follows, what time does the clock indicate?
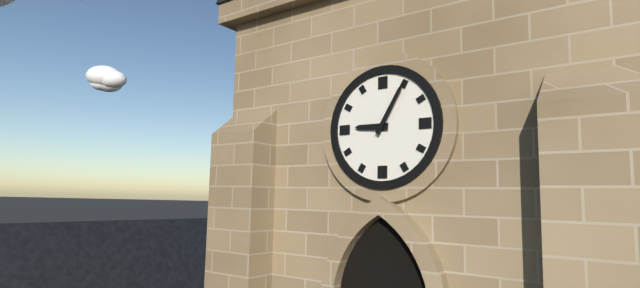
9:05
